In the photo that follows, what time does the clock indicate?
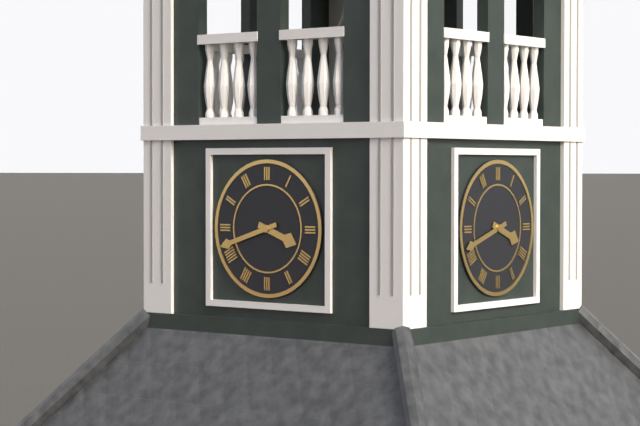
3:42
